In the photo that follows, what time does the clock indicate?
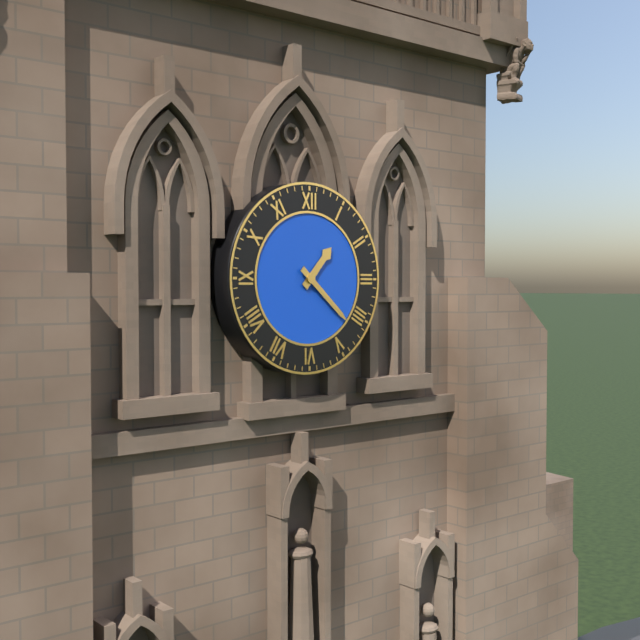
1:22
